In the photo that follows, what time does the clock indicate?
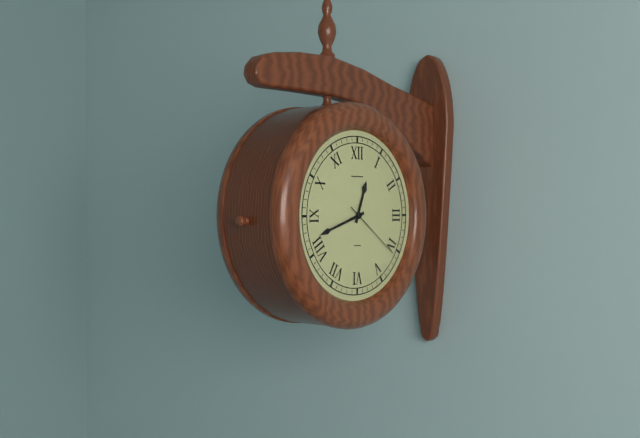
12:42:21
